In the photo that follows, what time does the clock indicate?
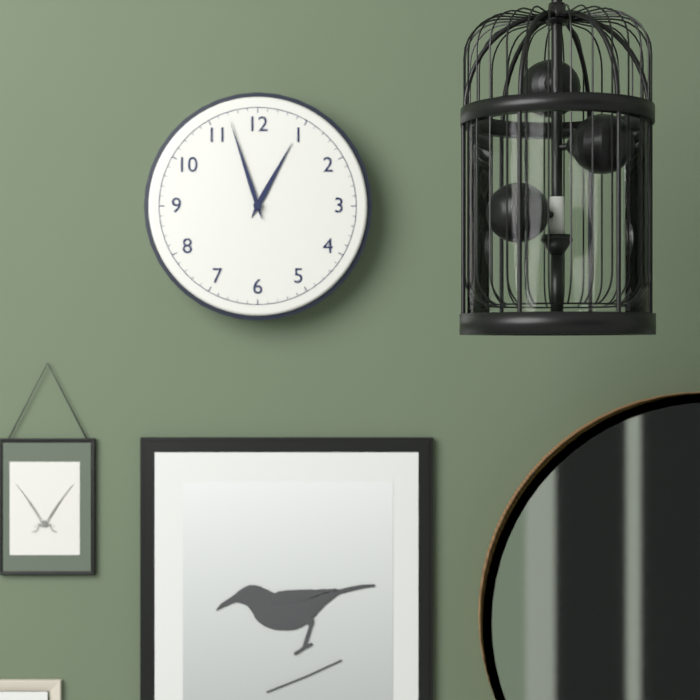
12:57
